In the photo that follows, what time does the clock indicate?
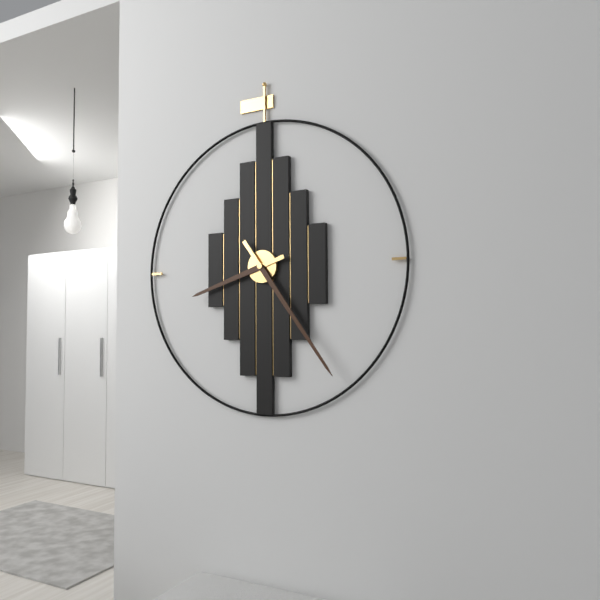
8:24
